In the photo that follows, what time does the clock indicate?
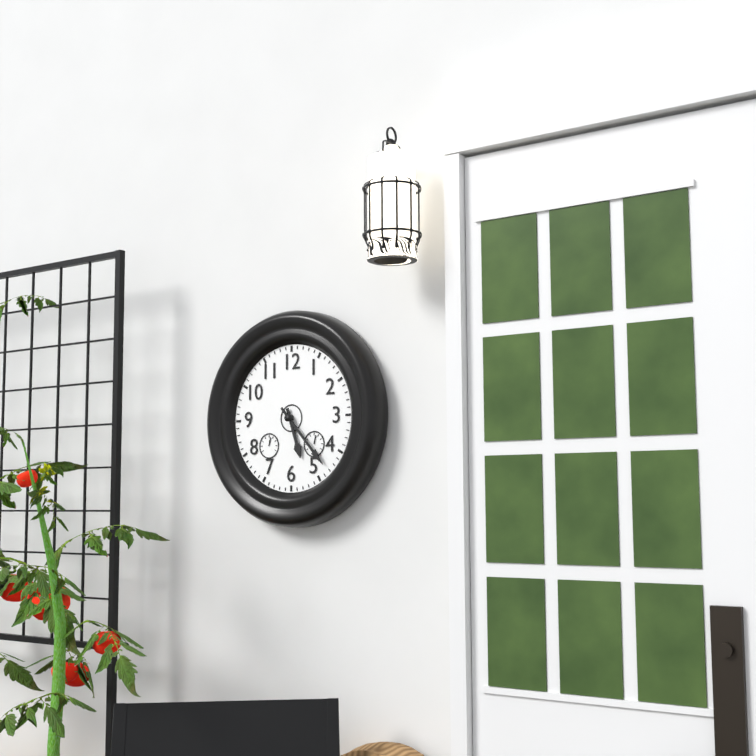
5:23
